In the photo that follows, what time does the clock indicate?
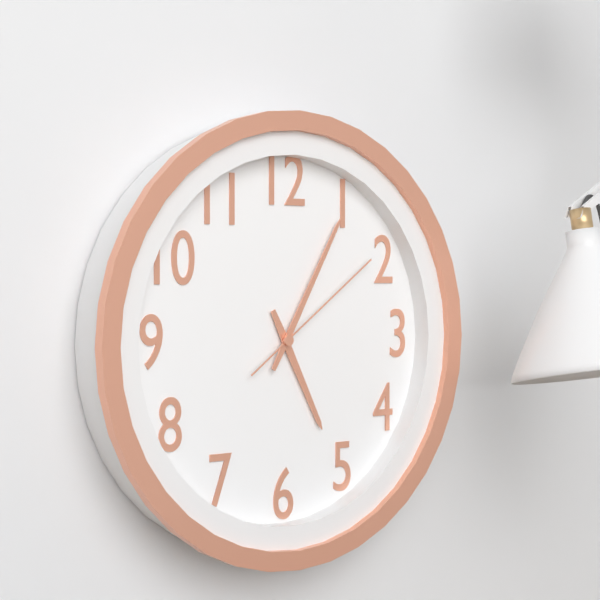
5:05:09
